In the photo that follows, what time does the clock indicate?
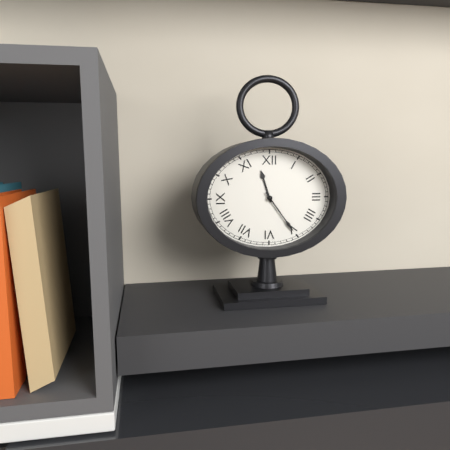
11:24
